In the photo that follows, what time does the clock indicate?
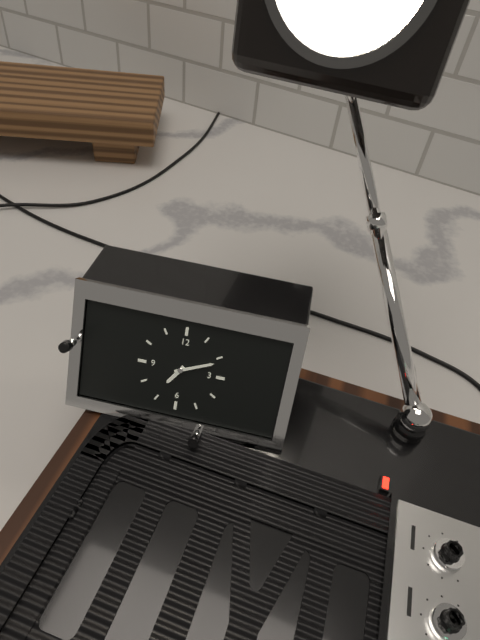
7:11
